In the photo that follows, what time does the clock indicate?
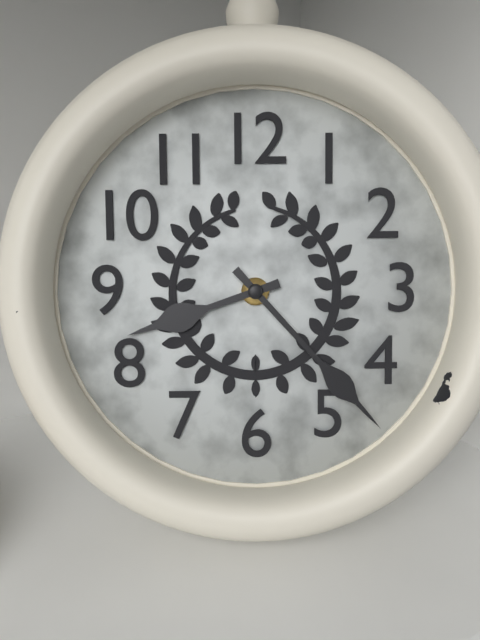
8:23
